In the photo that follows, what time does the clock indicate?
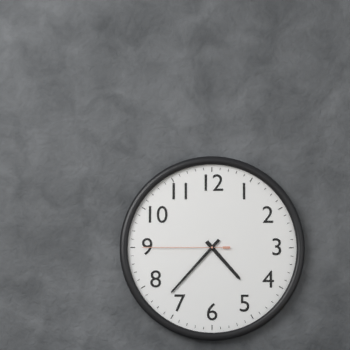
4:37:45
